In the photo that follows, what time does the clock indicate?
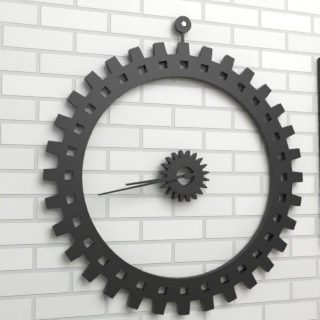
8:43
